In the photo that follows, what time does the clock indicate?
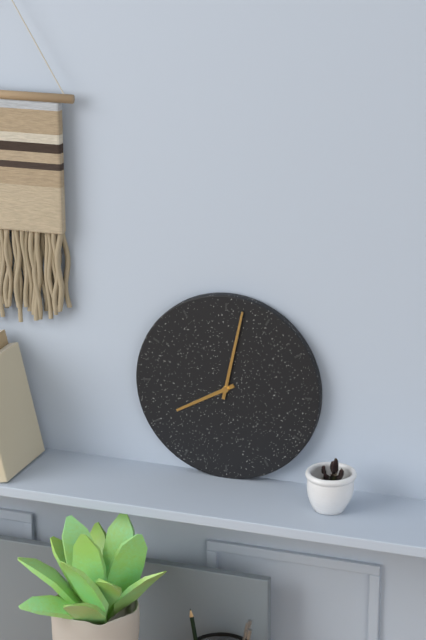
8:02
